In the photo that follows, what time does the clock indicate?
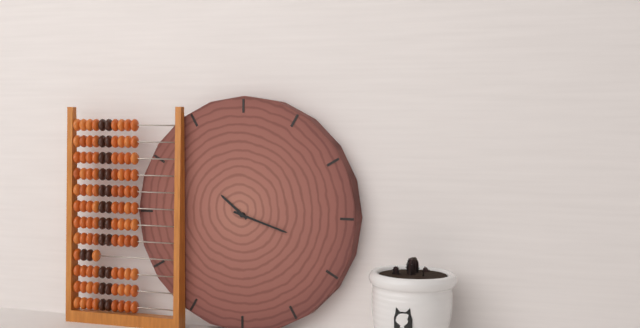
10:18
